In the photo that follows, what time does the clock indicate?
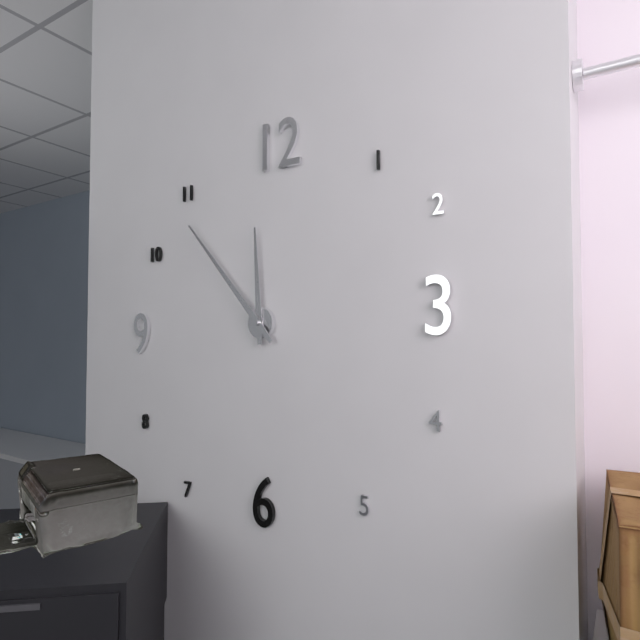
11:53
